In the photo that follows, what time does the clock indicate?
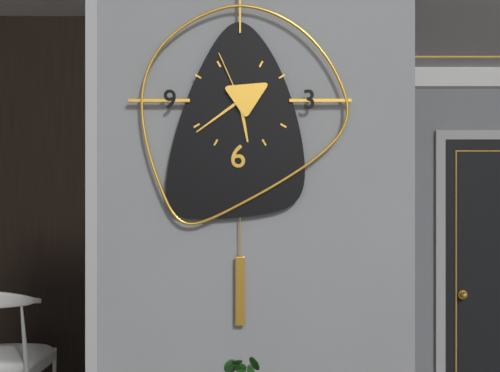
5:39:56
